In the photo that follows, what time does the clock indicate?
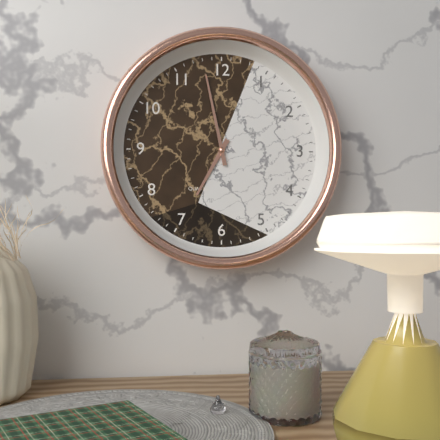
6:58
